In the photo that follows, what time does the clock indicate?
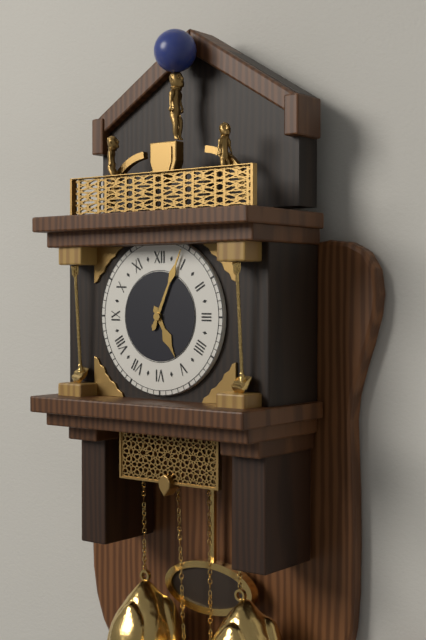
5:04
